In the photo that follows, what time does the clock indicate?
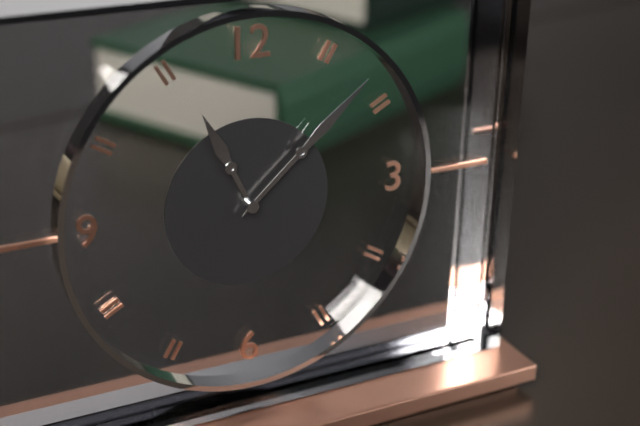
11:08
